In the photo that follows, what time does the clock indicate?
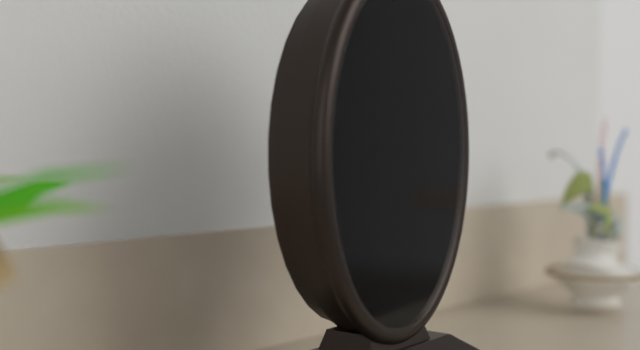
8:20
